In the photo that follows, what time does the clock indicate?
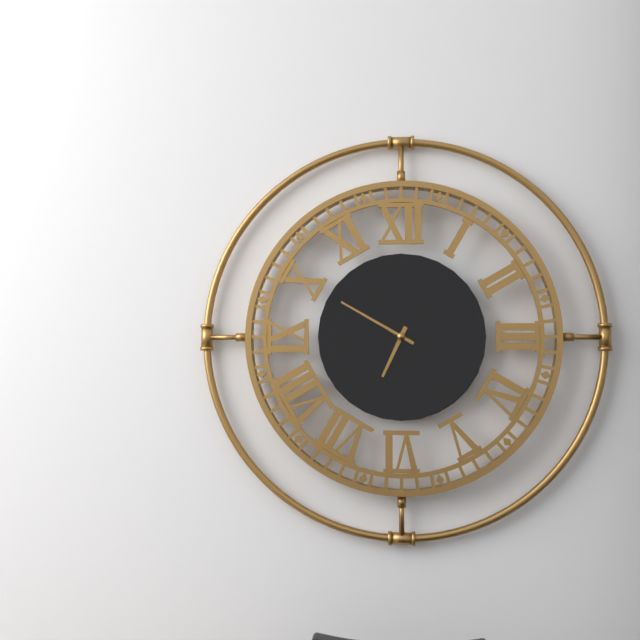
6:50
